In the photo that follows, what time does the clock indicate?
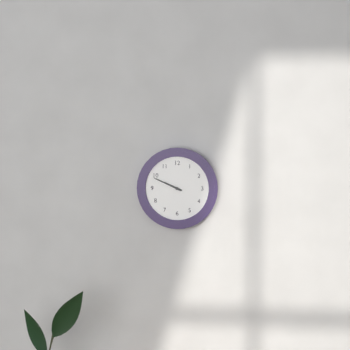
9:49
